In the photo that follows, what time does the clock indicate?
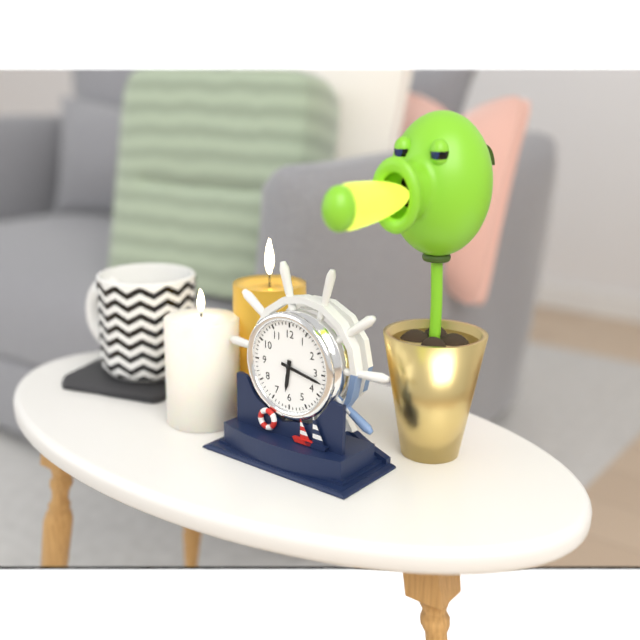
6:17
